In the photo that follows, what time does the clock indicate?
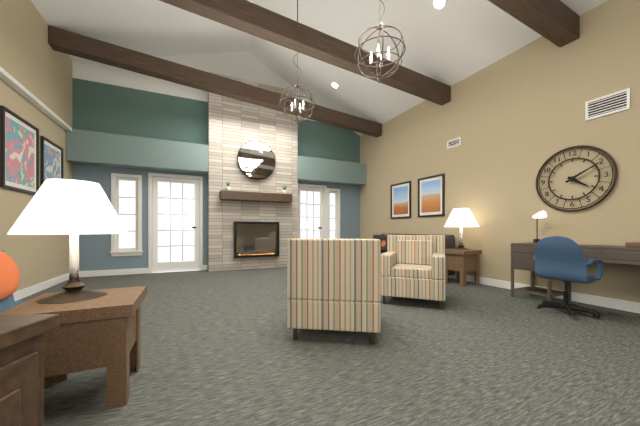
4:10
